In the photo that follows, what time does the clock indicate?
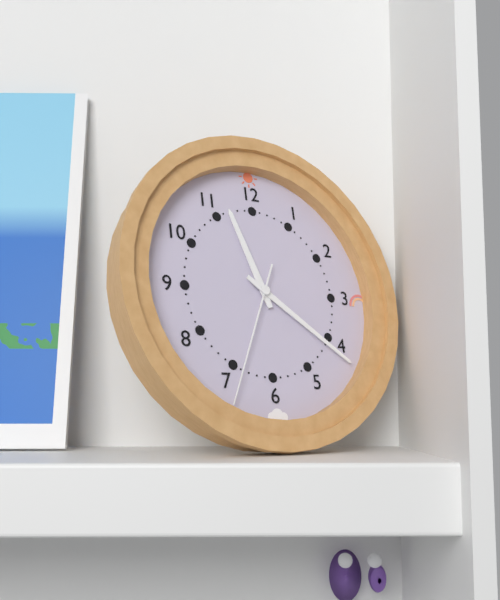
11:21:34
